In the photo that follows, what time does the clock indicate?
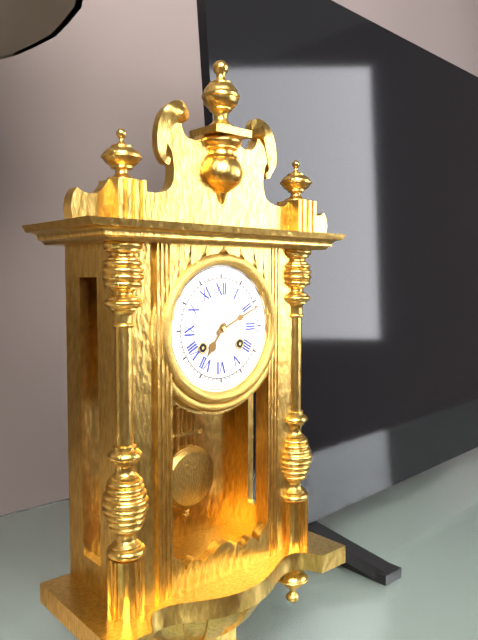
7:11
